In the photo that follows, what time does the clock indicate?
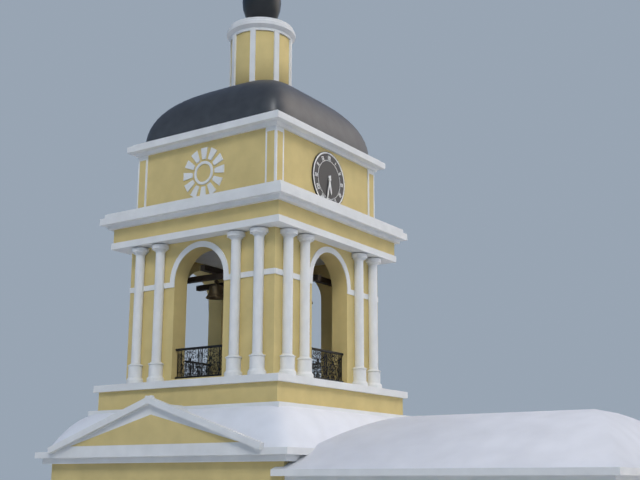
5:32
